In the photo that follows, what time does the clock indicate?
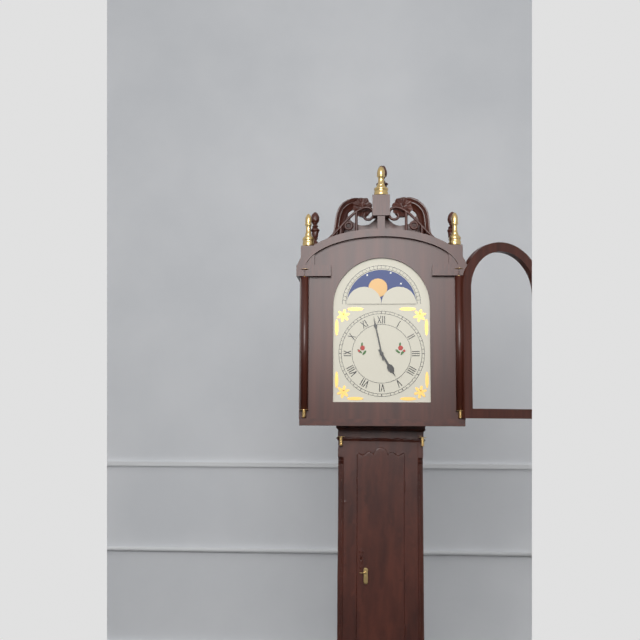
4:58
